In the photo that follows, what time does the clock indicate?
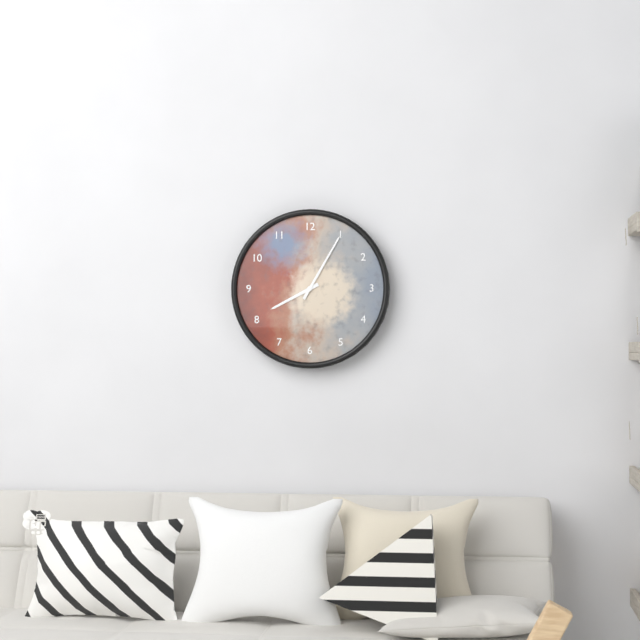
8:05
